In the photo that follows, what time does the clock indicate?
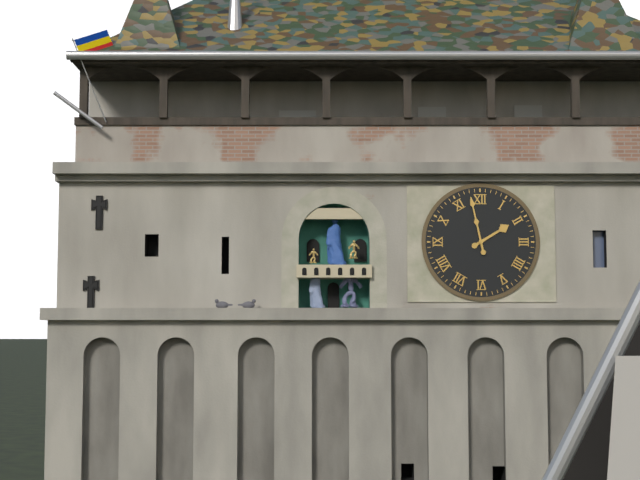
1:58
